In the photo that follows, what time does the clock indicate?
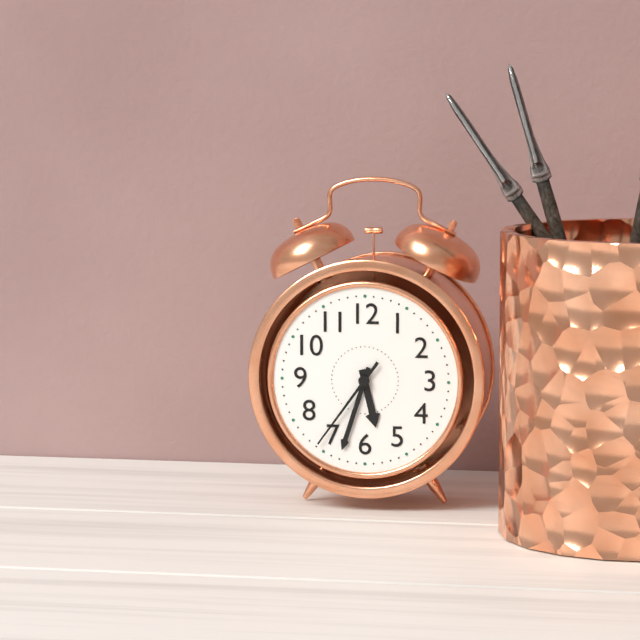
5:33:36
